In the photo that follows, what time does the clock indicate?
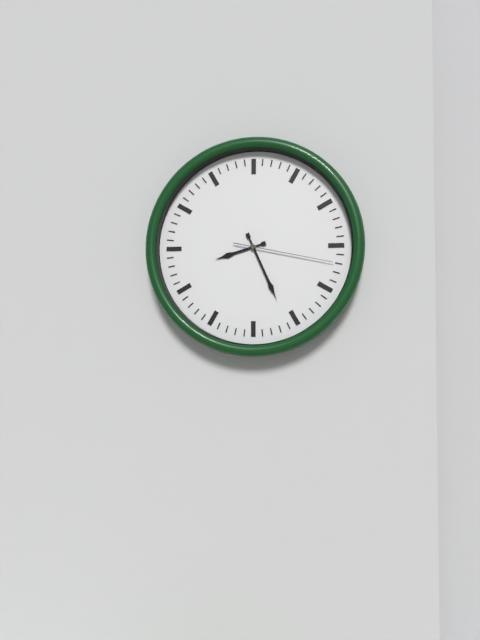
8:26:17
